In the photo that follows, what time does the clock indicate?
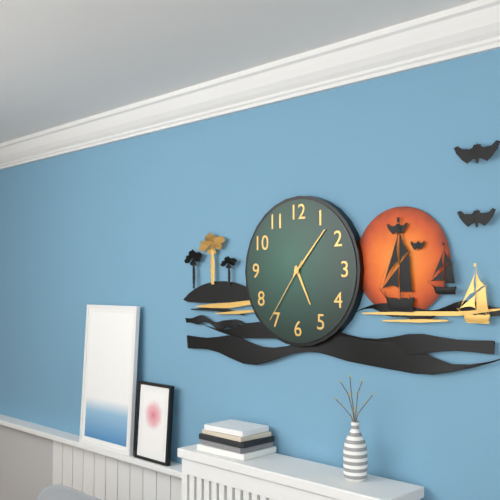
5:07:36
